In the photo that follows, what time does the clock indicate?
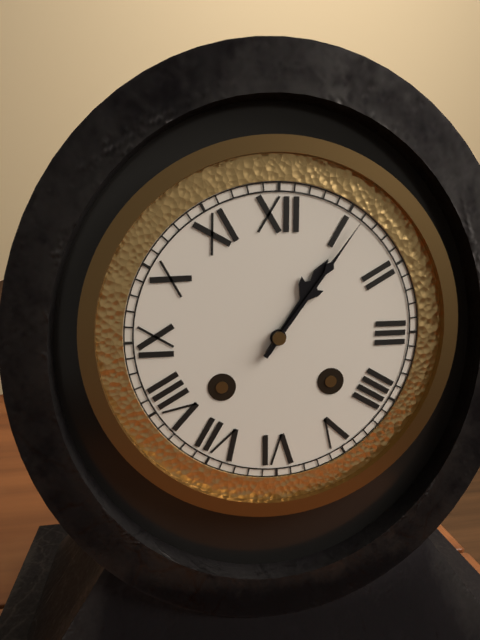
1:06
